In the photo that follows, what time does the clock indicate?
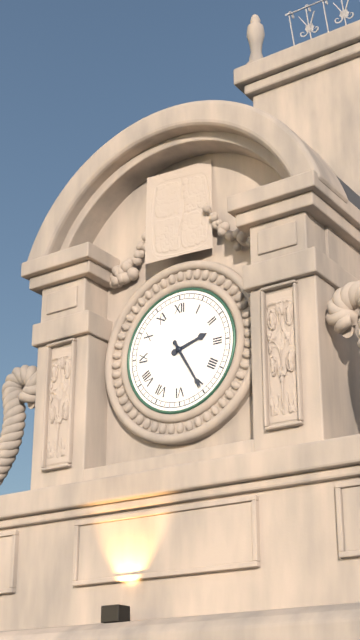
2:25
